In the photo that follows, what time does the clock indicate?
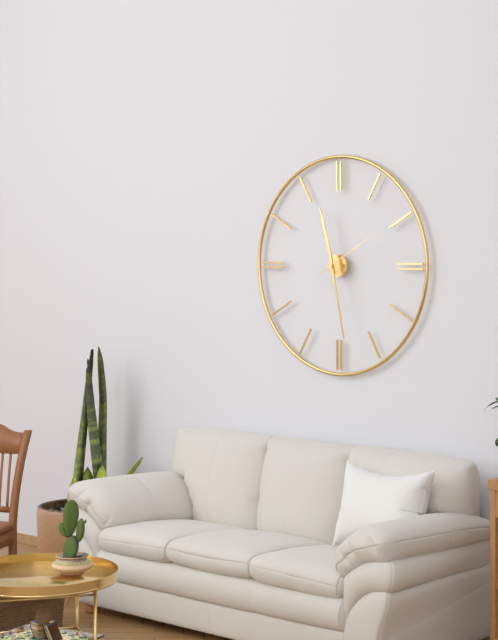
11:28:10
